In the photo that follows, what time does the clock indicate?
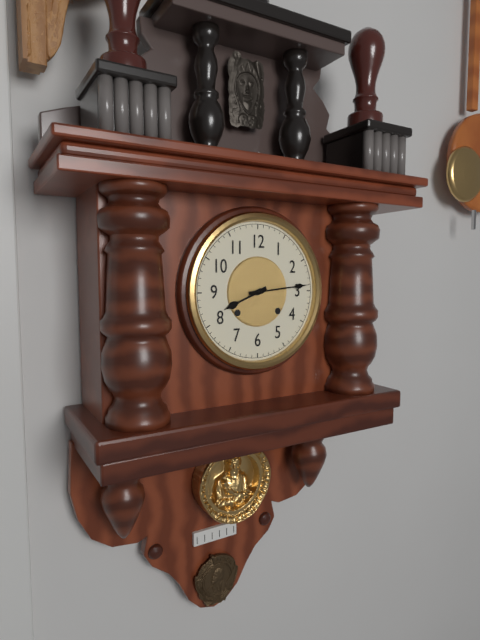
8:14
